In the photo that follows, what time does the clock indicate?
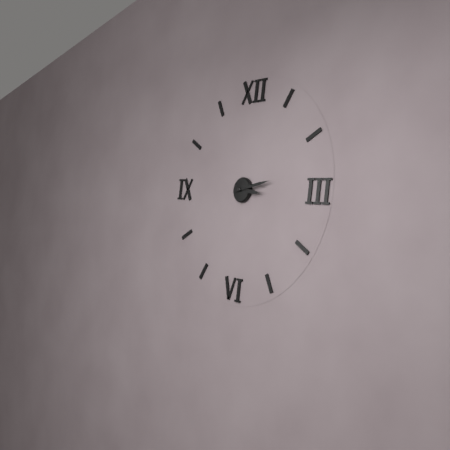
3:13
